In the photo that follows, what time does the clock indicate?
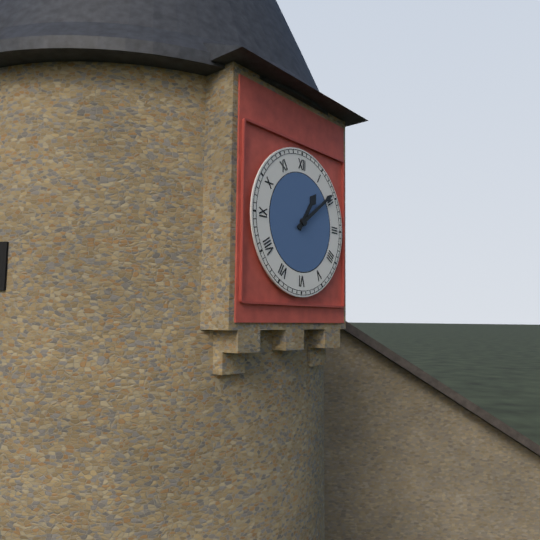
1:09
